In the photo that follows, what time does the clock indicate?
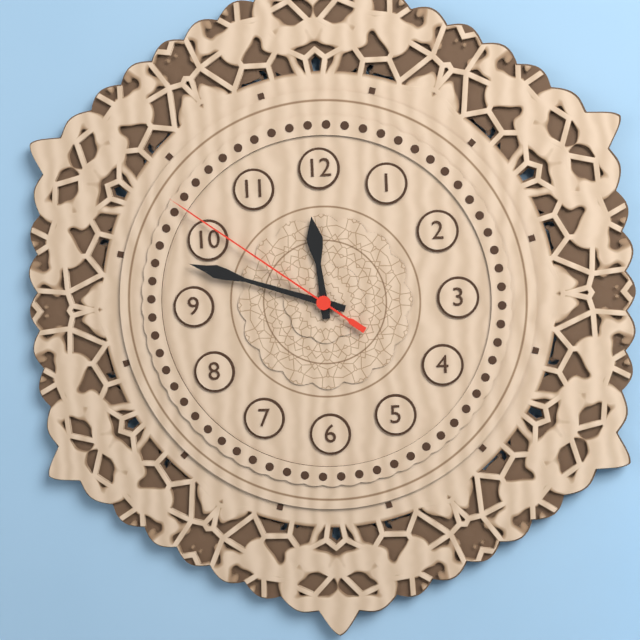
11:48:51
